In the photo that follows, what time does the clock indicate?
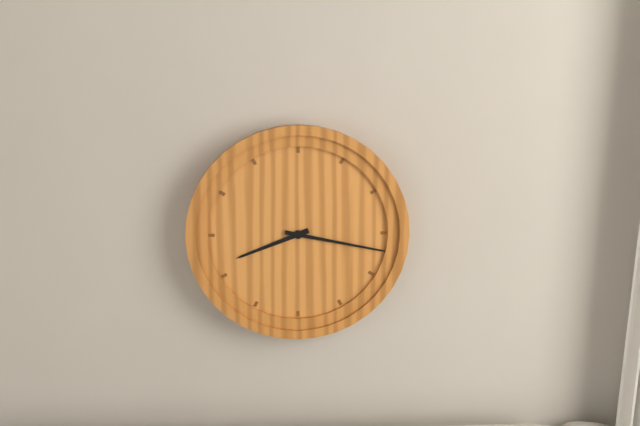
8:17
